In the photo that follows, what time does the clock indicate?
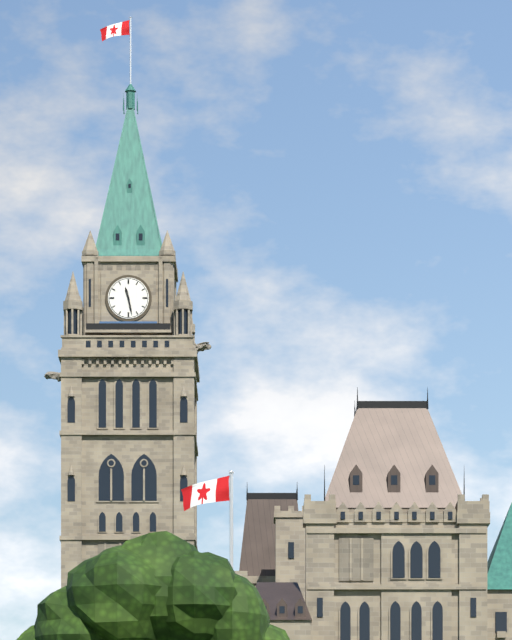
11:28
